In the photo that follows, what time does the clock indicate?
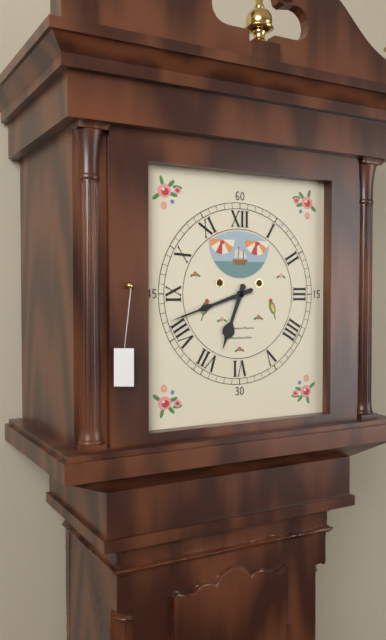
6:42
